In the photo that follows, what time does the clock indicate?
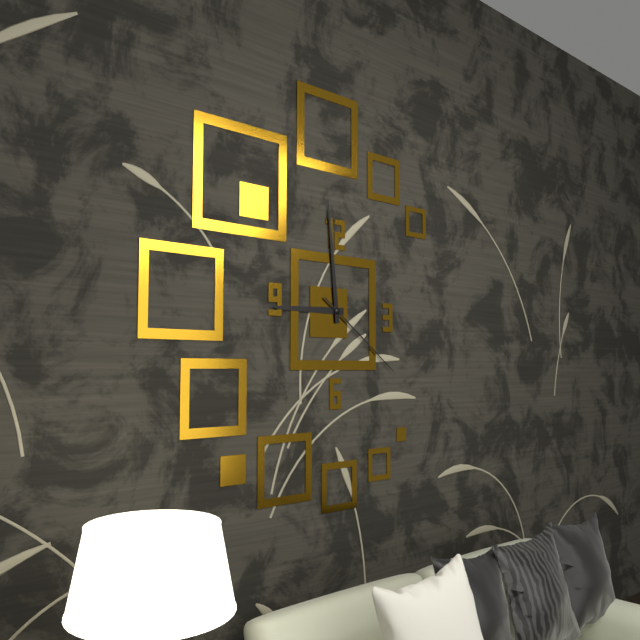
8:59:21
